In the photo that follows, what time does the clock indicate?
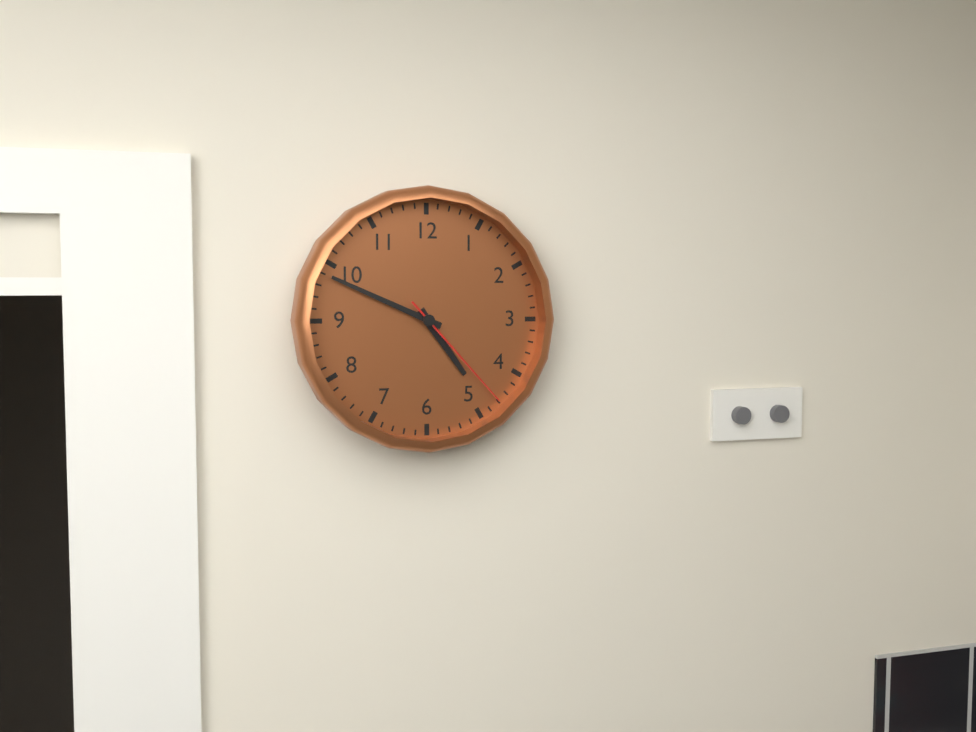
4:49:23
